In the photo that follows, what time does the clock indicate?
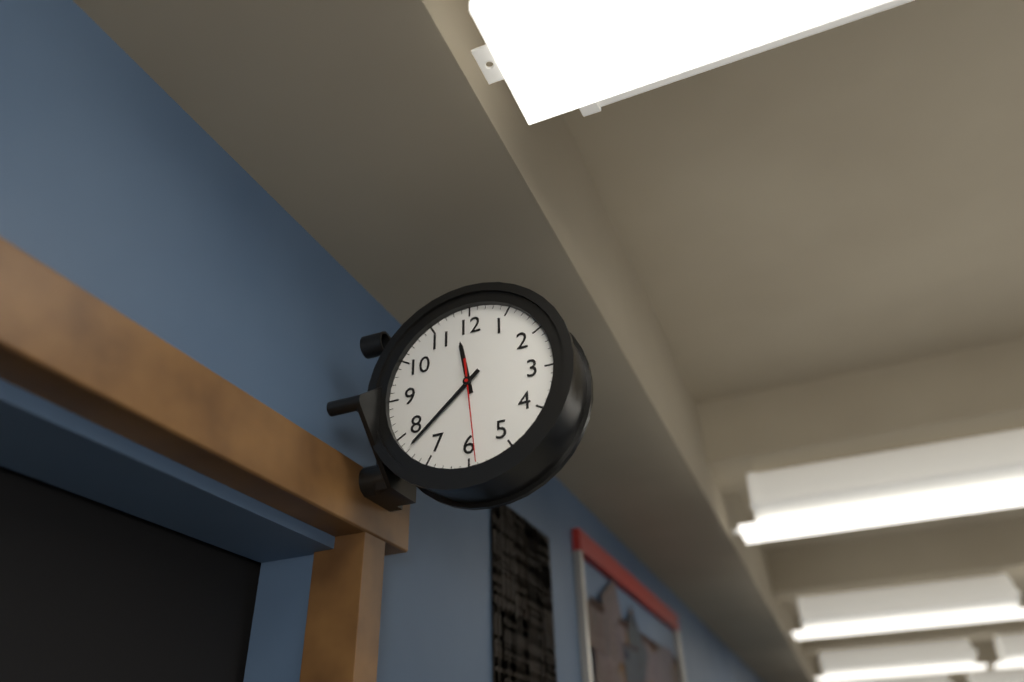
11:38:29
